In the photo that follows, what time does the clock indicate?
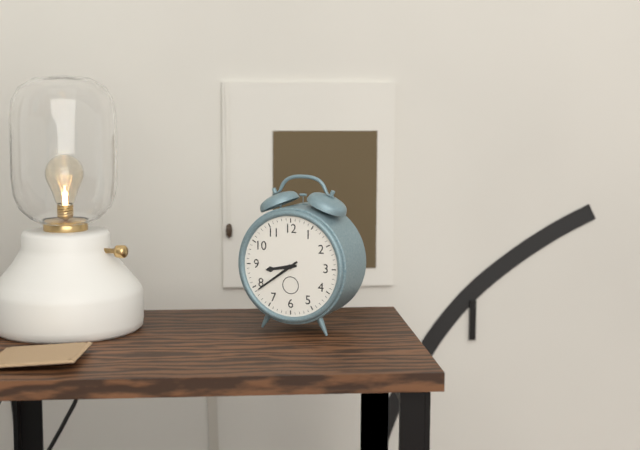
8:39
